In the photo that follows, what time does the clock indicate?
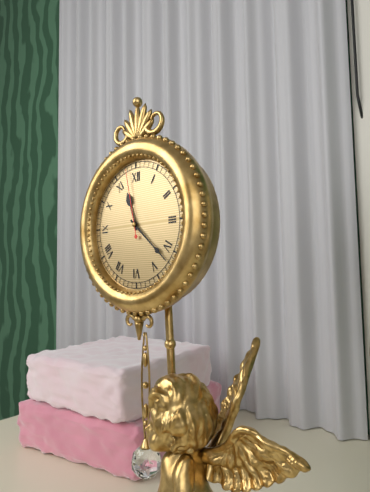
11:22:58
